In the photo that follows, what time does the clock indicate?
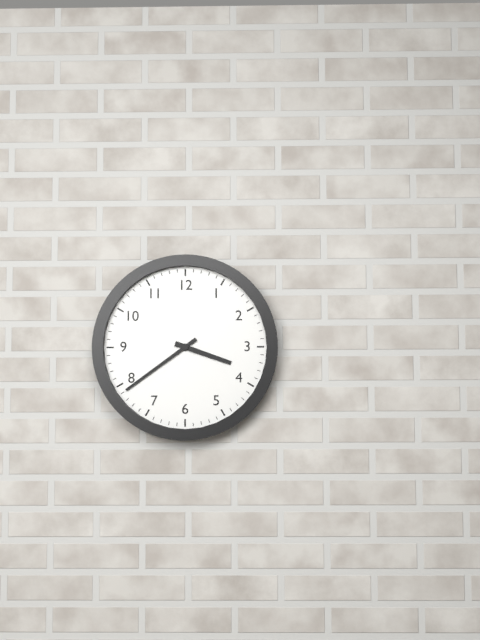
3:39
